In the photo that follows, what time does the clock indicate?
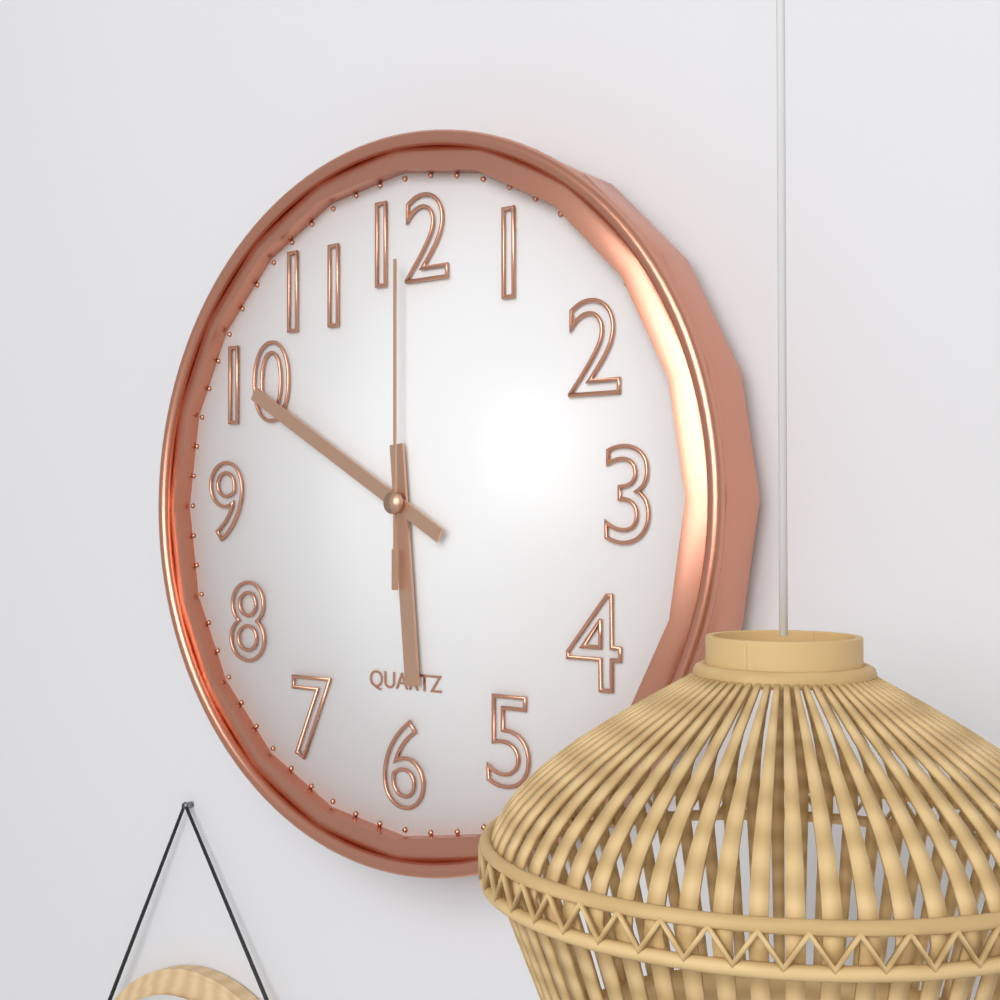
5:50:00
